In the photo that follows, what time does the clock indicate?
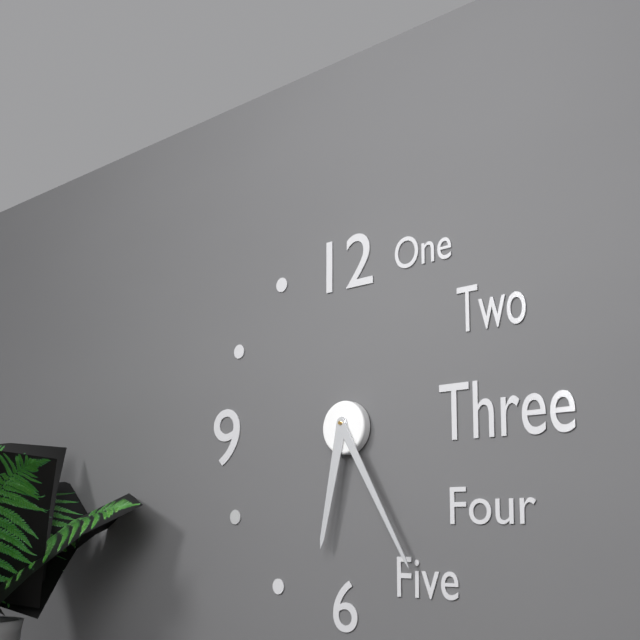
6:25
